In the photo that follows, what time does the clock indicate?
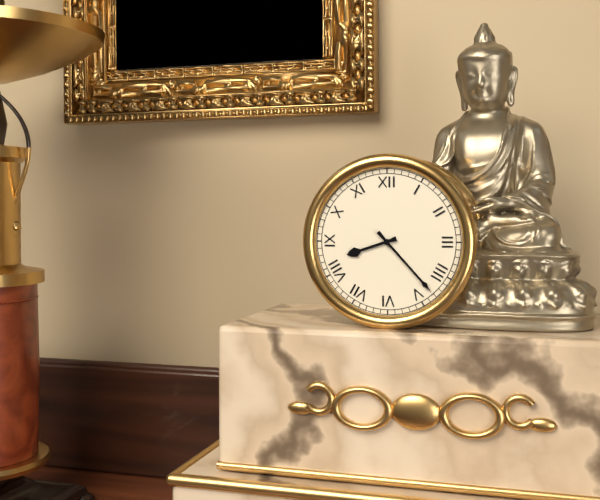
8:23
